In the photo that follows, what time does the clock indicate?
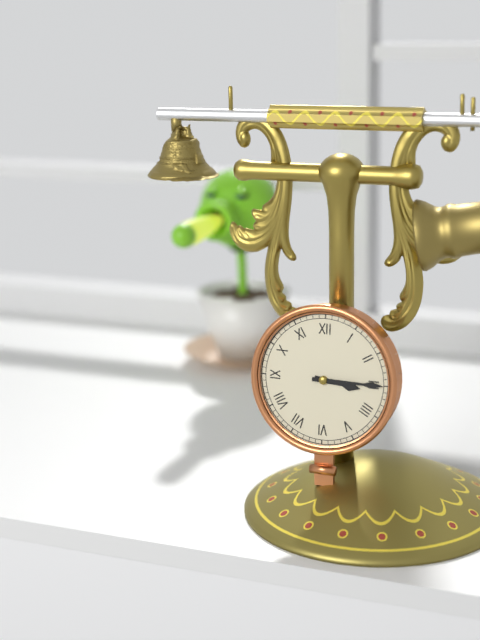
3:15
